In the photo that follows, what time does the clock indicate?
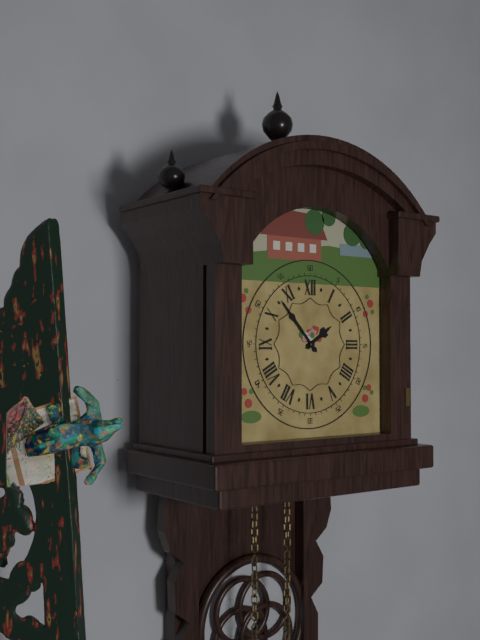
1:53
